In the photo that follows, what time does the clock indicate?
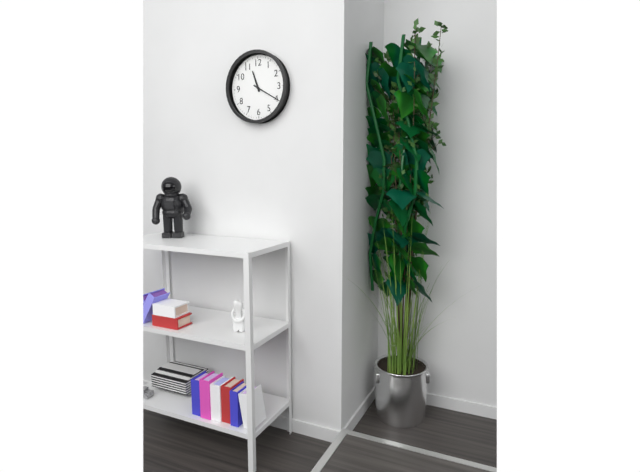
11:20
